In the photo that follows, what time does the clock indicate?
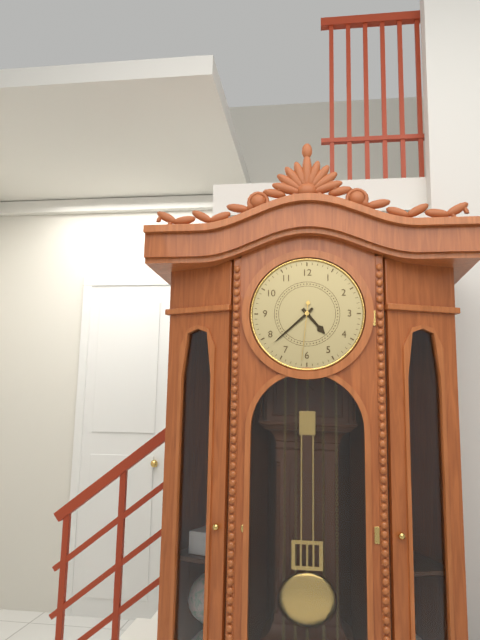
4:38:31
